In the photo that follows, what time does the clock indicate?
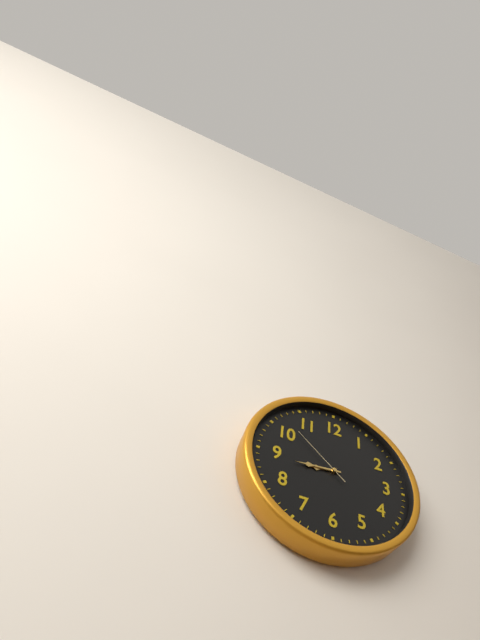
8:44:52
